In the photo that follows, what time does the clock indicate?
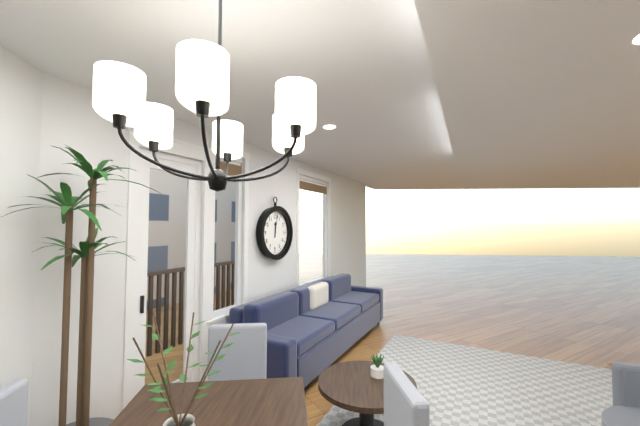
12:02
